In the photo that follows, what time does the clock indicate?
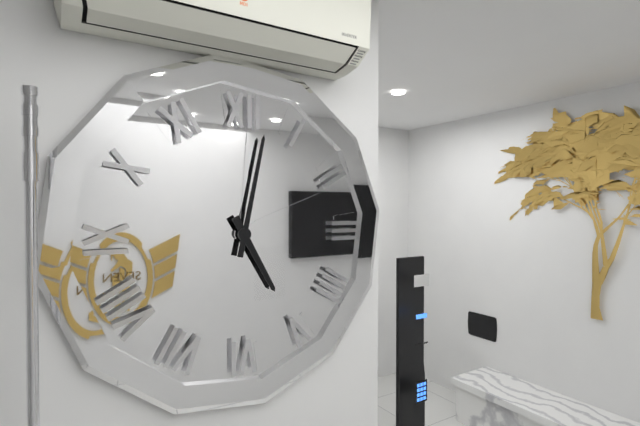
5:02
